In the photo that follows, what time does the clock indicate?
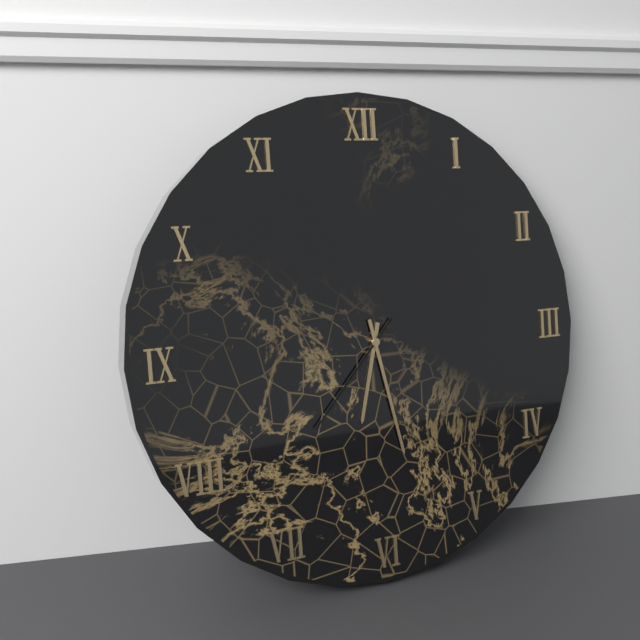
6:28:37
